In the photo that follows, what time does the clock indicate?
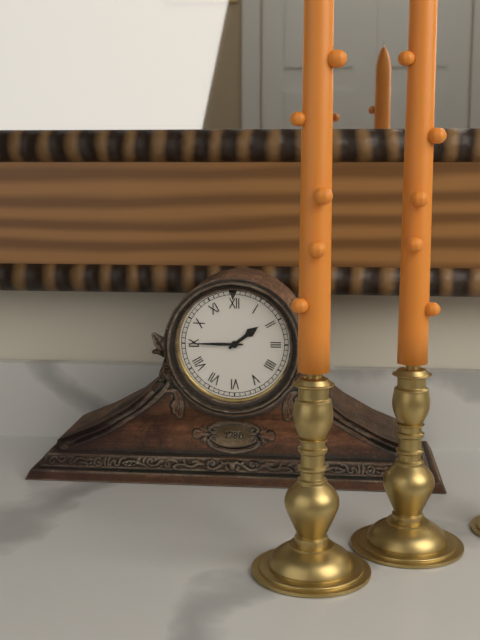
1:45
